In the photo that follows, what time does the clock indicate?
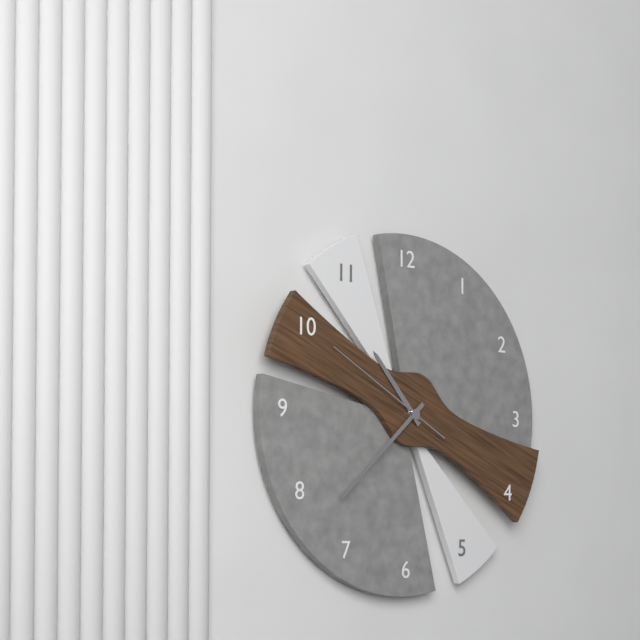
10:38:50
